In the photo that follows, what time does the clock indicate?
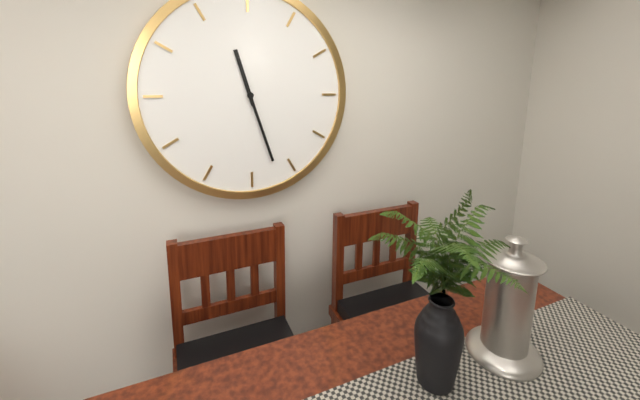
11:27
